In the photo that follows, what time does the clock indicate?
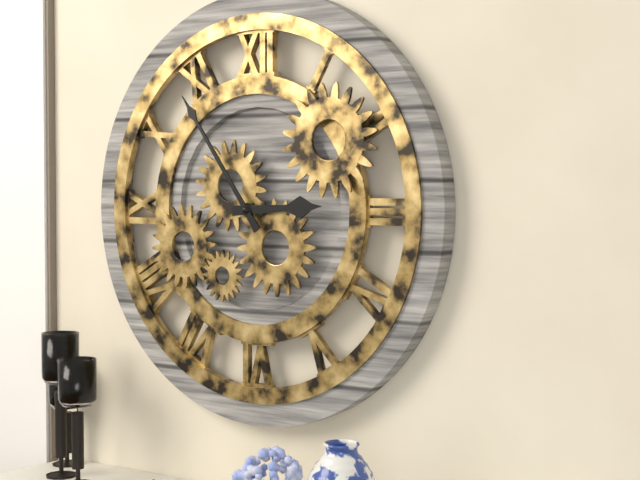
2:54
